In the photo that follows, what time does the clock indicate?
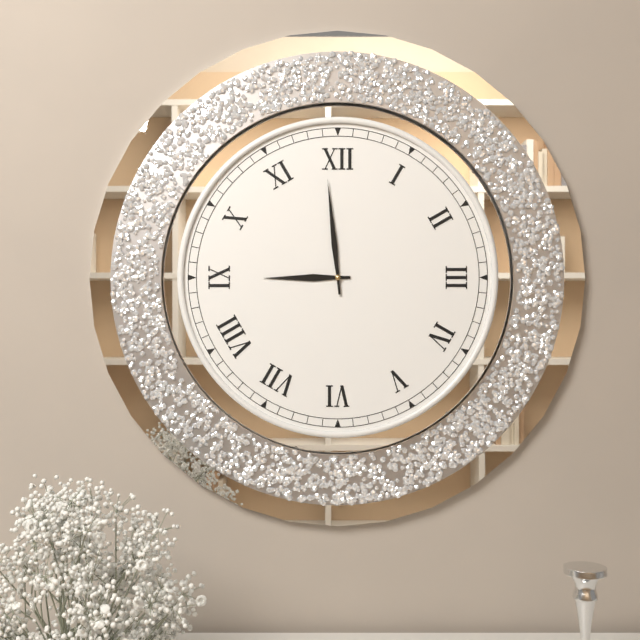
8:59
